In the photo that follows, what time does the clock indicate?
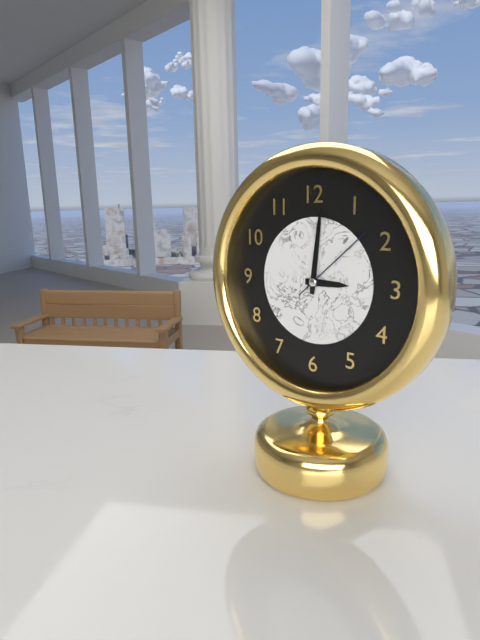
3:01:08
